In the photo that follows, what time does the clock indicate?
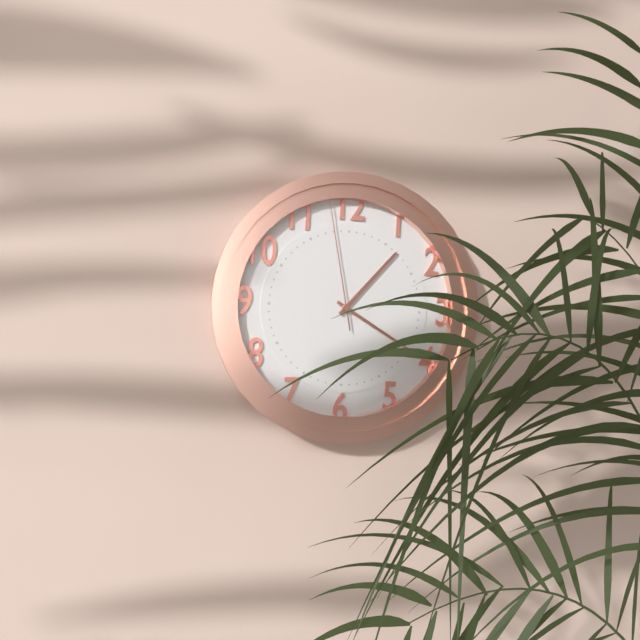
1:20:58
